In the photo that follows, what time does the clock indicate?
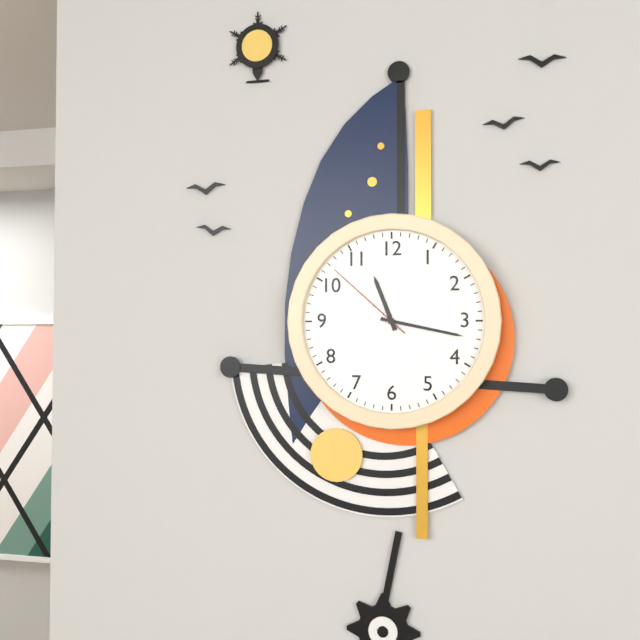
11:17:52
